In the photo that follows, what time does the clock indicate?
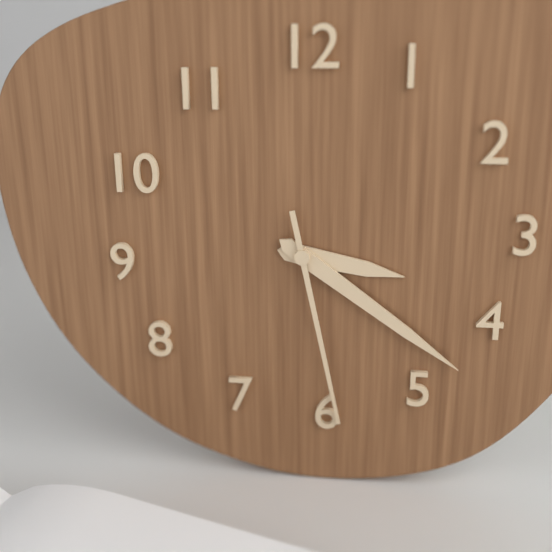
3:21:28
